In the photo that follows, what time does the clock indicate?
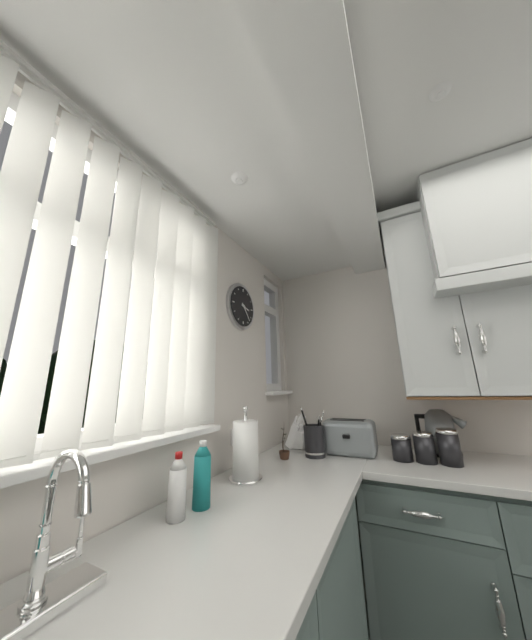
3:23
